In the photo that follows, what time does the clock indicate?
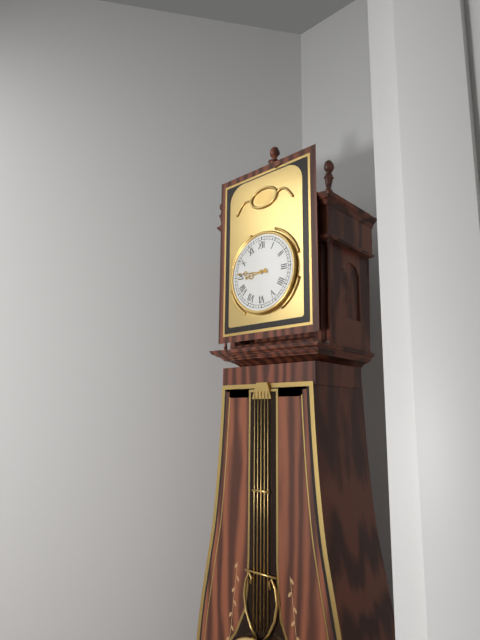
8:46
